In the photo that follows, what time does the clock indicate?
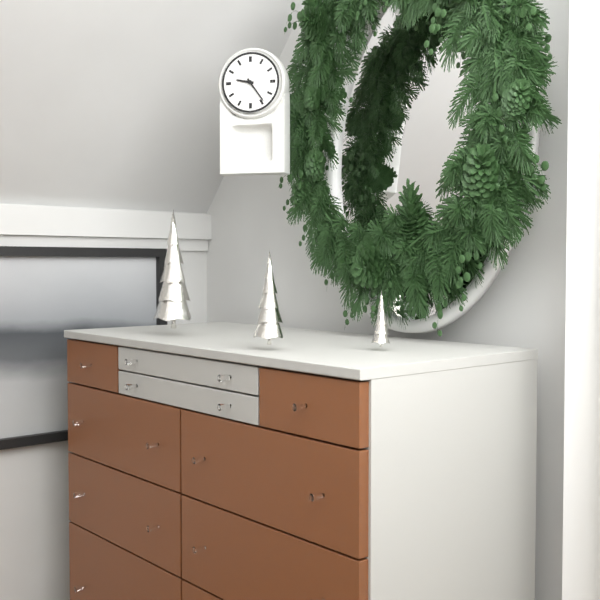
9:24
